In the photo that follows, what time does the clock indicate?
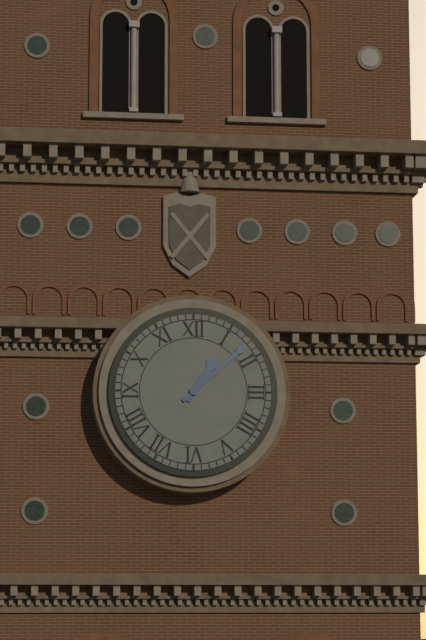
1:08
